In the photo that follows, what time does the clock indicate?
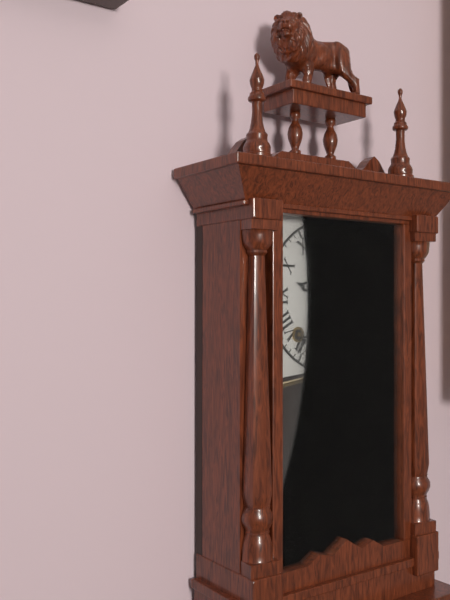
9:36
